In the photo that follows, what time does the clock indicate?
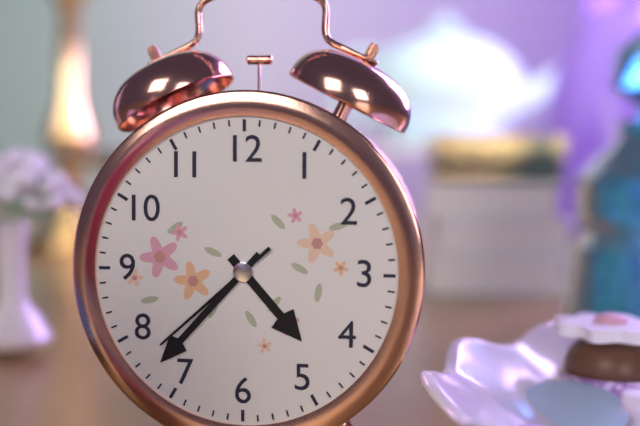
4:37:38
